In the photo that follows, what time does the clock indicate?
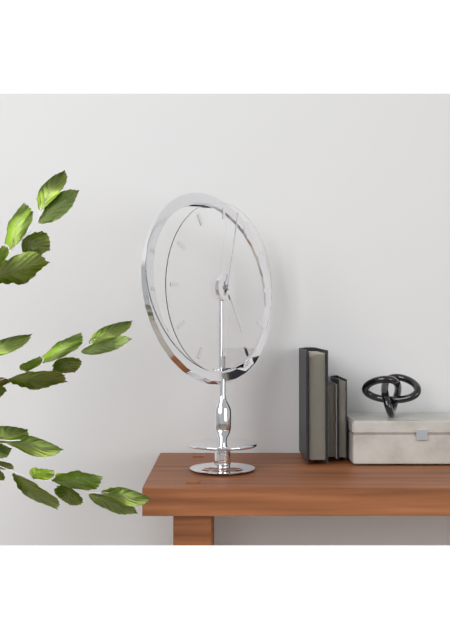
5:02
